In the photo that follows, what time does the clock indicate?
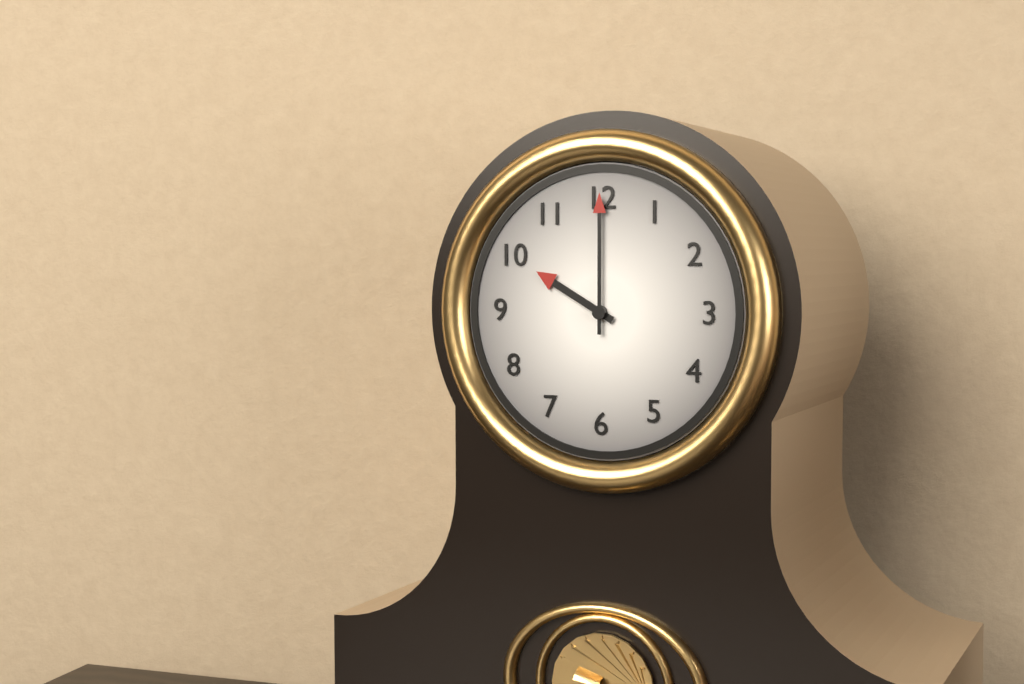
10:00
